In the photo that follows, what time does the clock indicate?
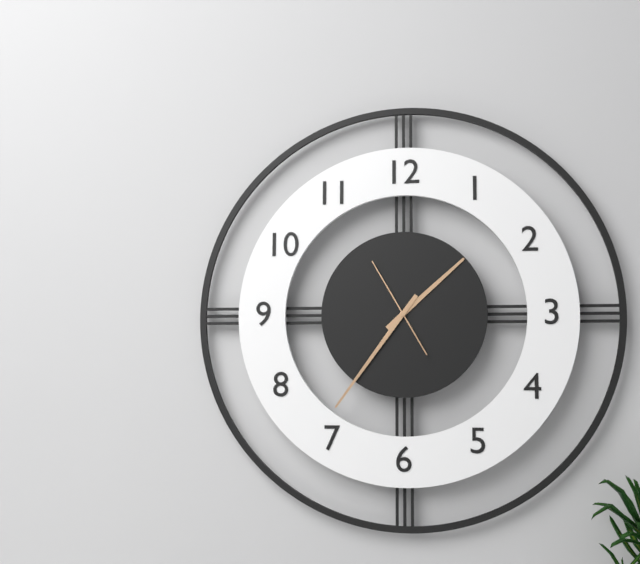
1:36:55
